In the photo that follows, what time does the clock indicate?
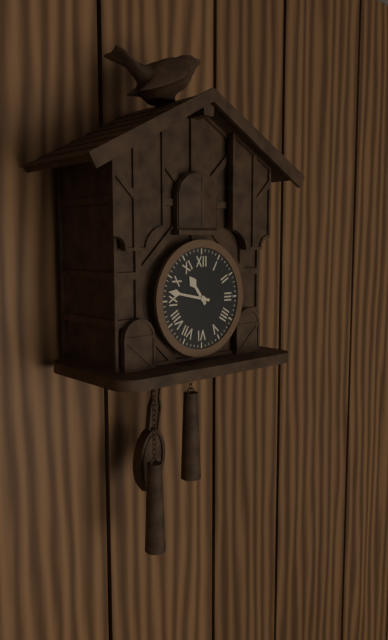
10:47
